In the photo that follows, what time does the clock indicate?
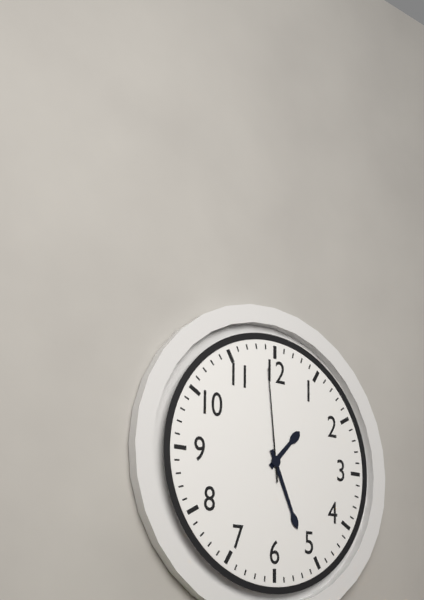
1:26:59
